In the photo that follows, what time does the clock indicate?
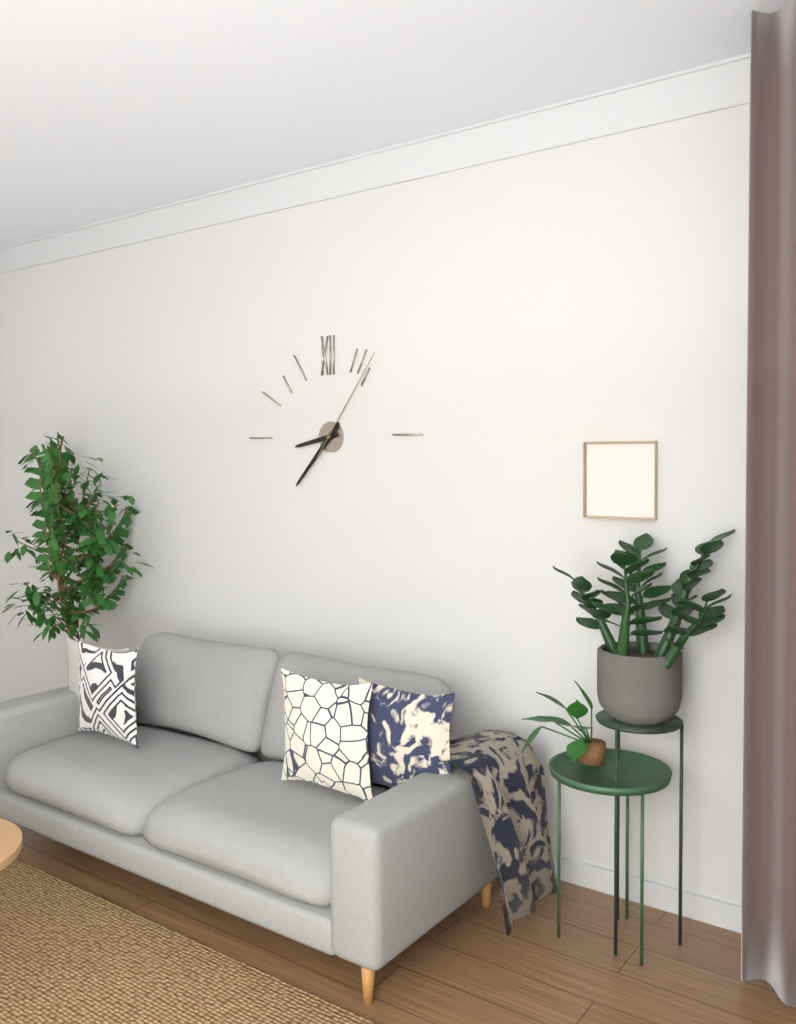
8:37:06
